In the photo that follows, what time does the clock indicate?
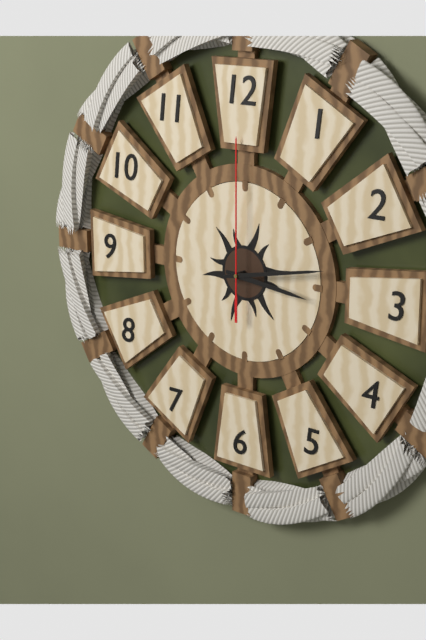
3:13:00
